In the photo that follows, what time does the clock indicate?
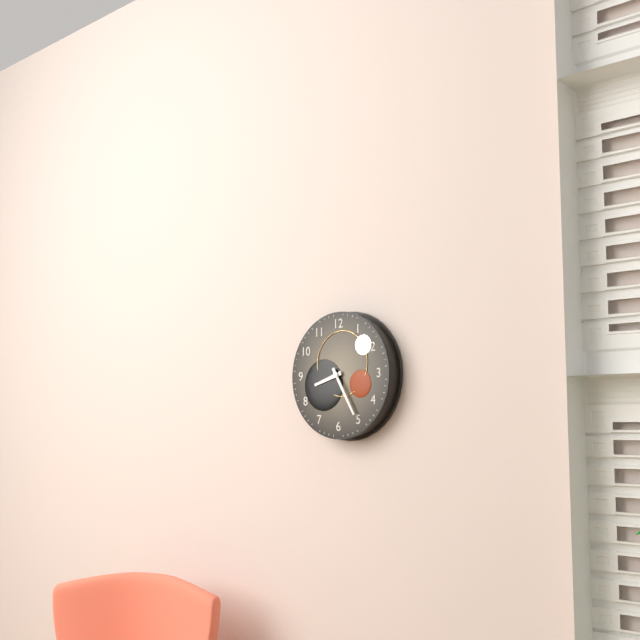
8:25
